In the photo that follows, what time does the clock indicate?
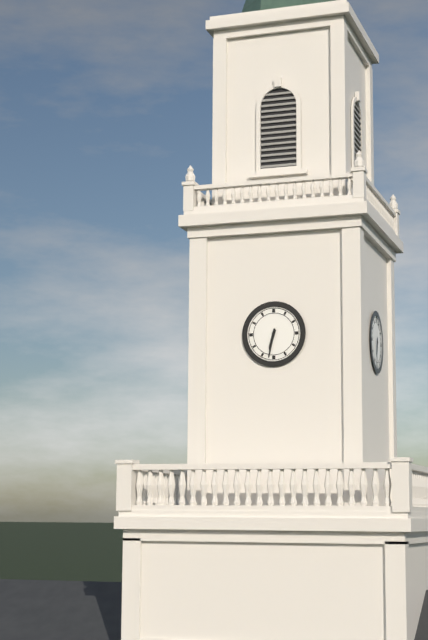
6:32
